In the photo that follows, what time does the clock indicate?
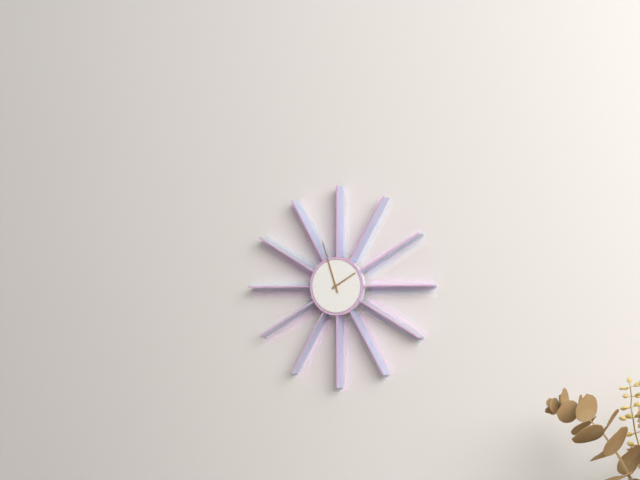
1:57
